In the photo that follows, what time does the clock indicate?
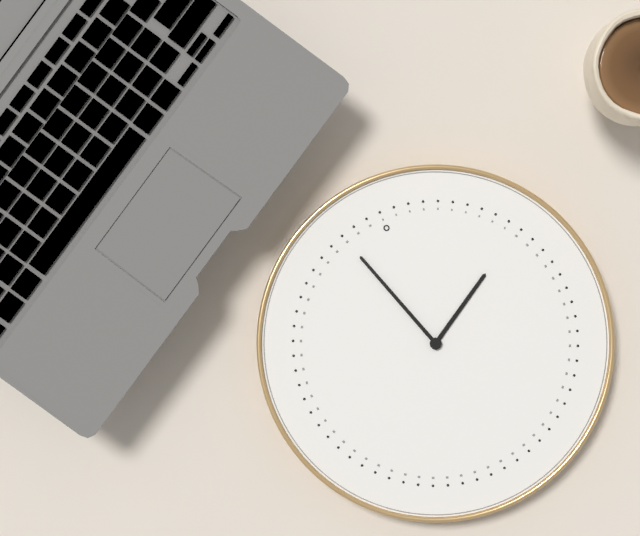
1:57
